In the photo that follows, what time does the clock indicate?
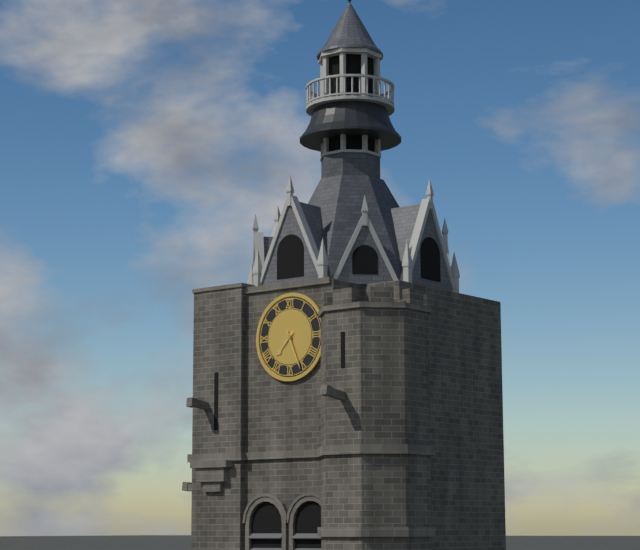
7:26
